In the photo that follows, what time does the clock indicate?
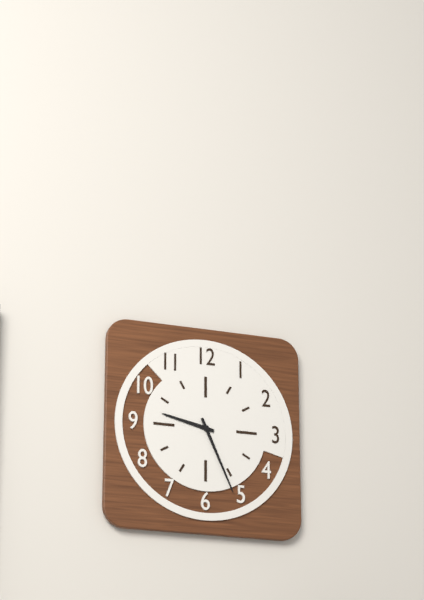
9:26
